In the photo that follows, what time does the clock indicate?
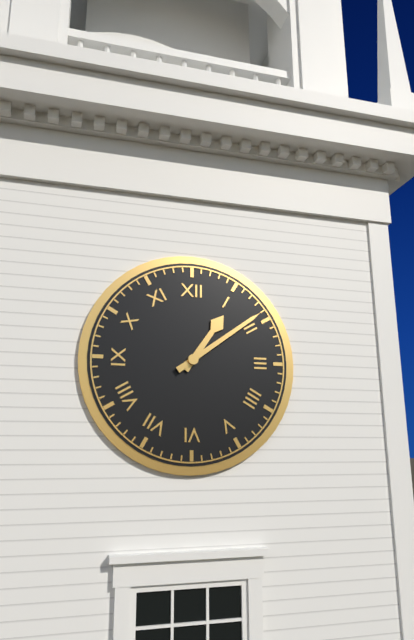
1:09
